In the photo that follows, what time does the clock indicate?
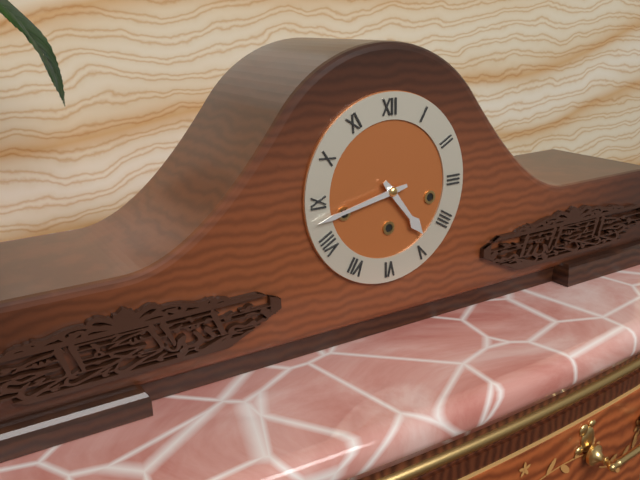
4:43
